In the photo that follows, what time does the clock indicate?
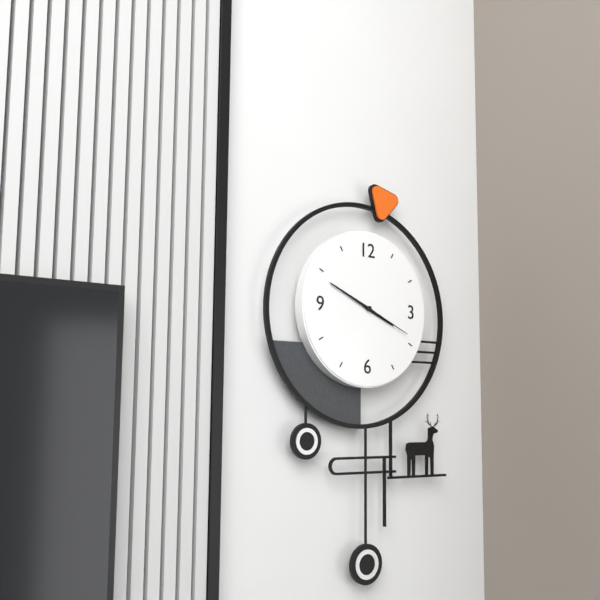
3:49:19
